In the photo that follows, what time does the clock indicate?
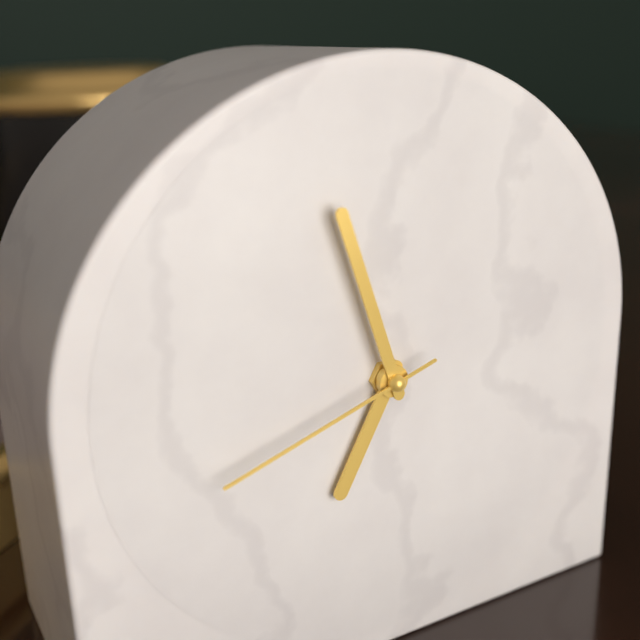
6:57:42
